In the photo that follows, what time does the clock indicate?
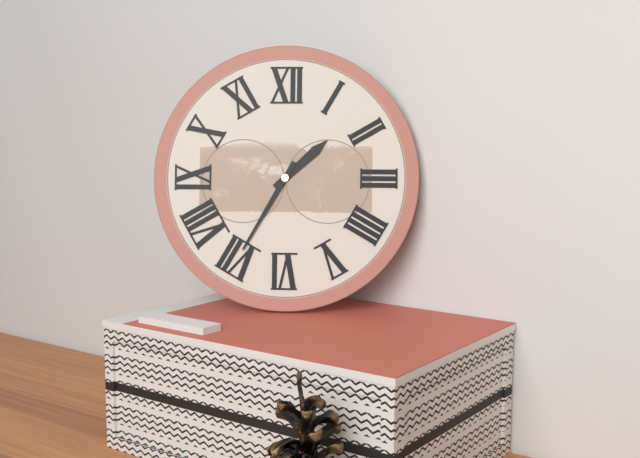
1:35
